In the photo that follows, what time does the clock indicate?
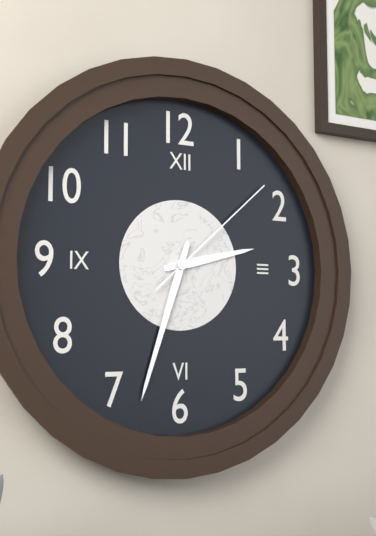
2:33:08
